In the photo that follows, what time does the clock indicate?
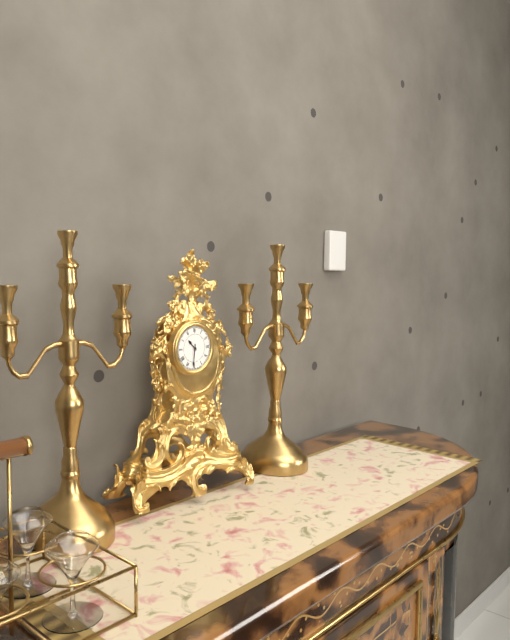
10:31
